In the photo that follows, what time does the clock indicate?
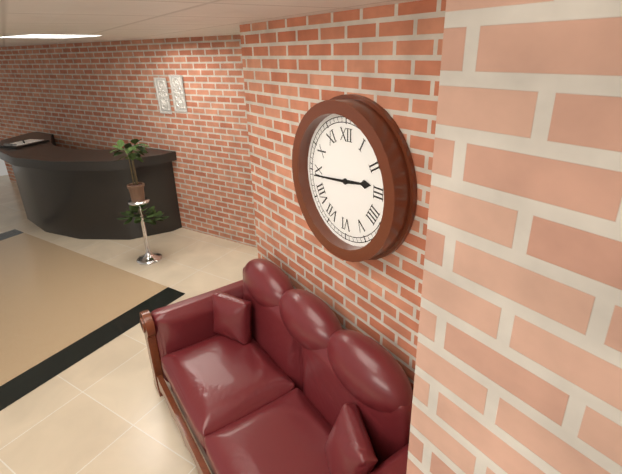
2:44
